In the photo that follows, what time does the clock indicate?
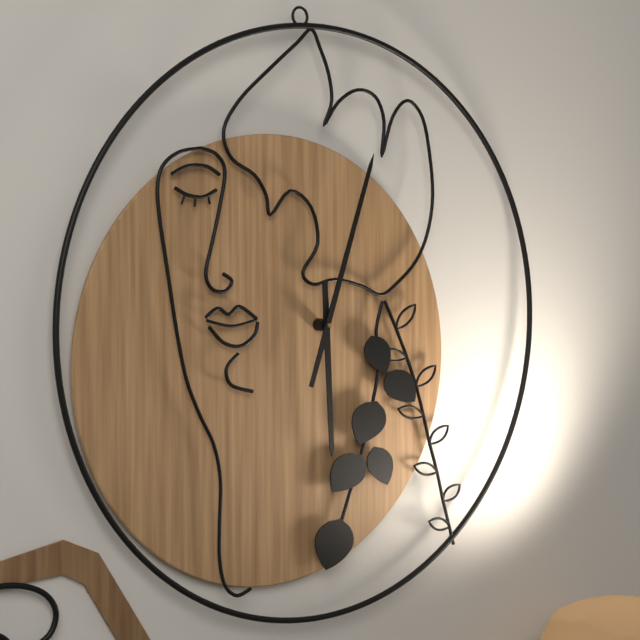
6:04
